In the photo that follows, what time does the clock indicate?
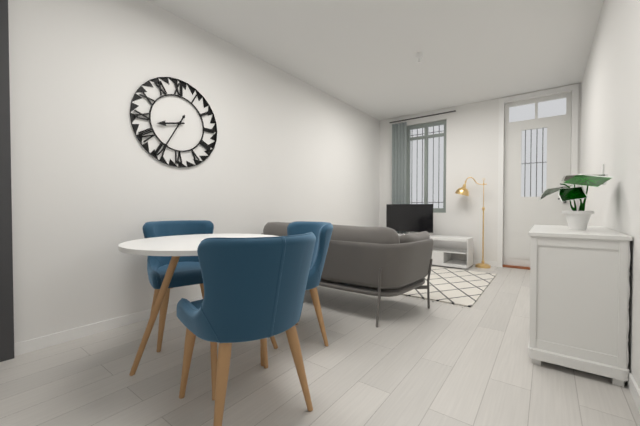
8:35
